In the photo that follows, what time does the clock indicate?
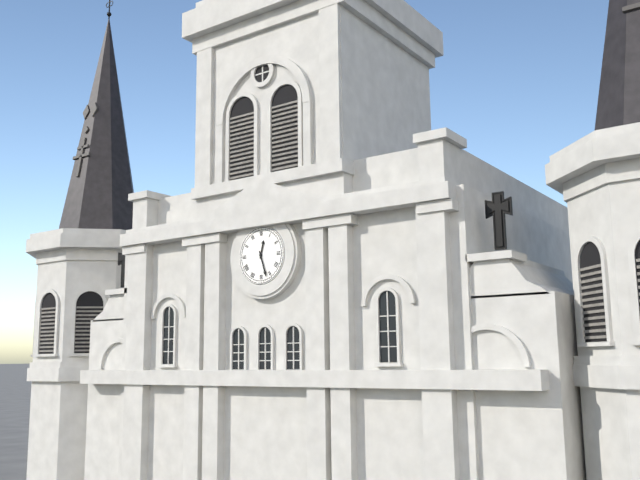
12:27
